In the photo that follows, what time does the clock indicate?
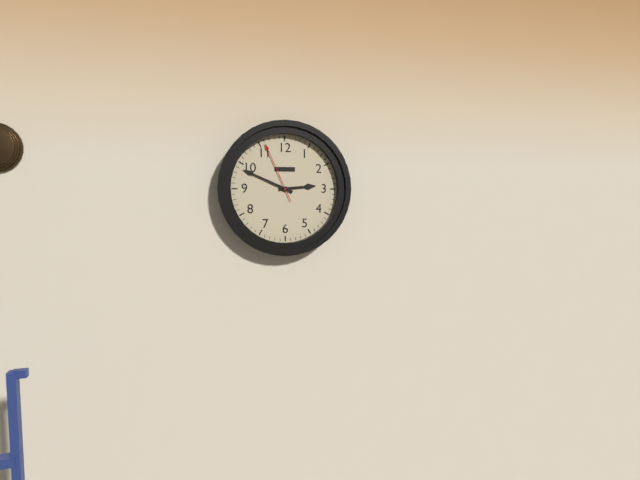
2:49:56
